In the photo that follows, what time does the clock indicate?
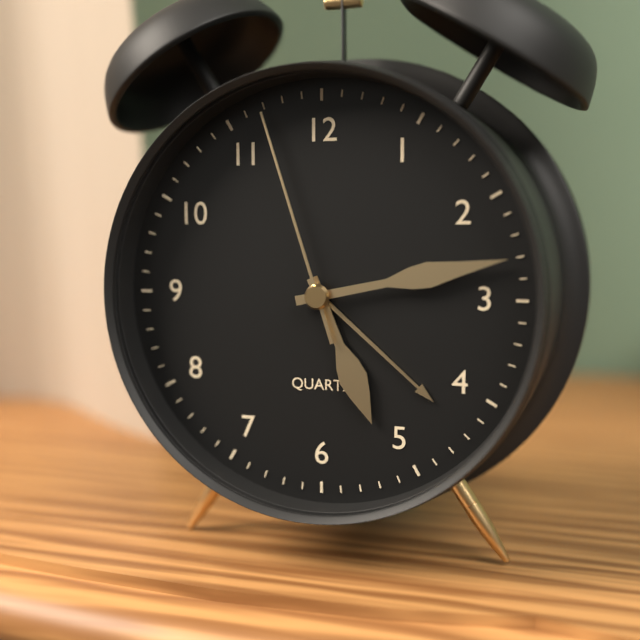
5:13:57
